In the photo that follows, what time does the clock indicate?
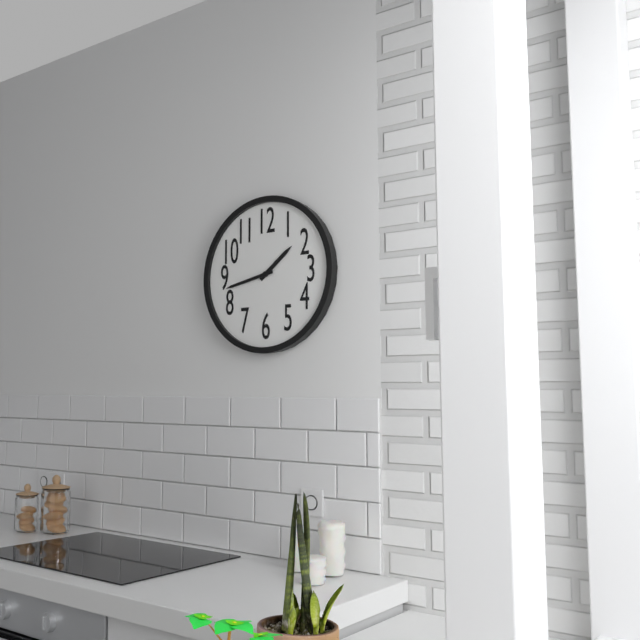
1:43
